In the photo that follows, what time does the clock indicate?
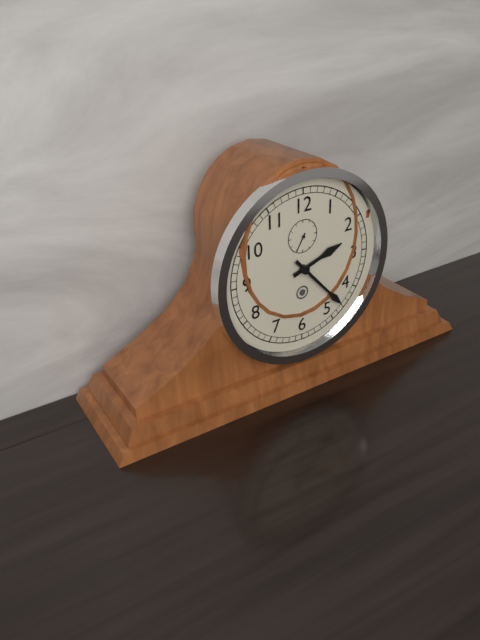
2:23
